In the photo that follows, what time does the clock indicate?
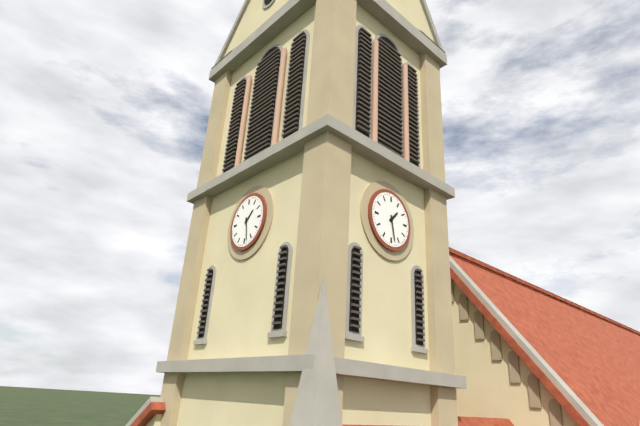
1:28
